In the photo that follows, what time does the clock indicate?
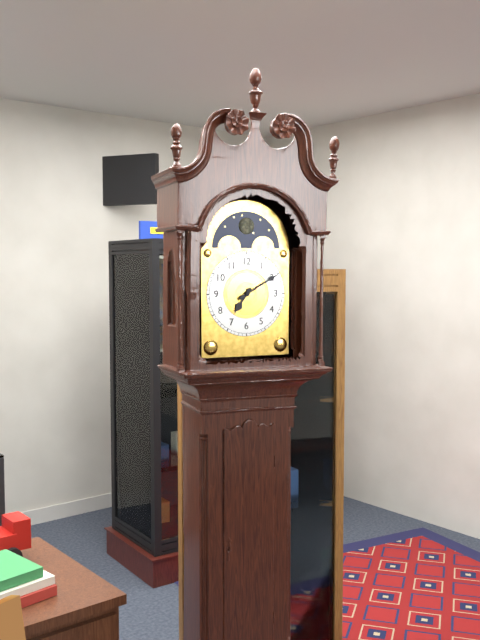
7:10
